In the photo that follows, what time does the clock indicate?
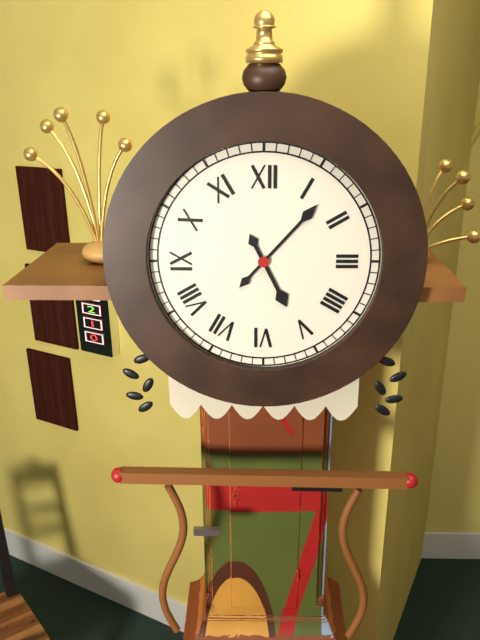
5:07
